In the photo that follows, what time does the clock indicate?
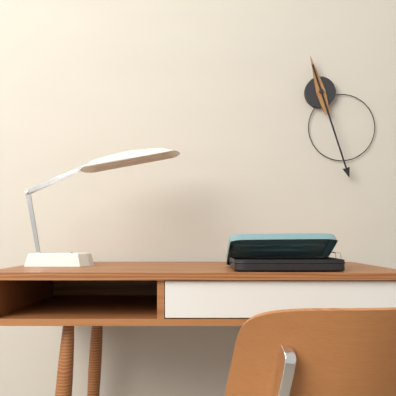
11:27
